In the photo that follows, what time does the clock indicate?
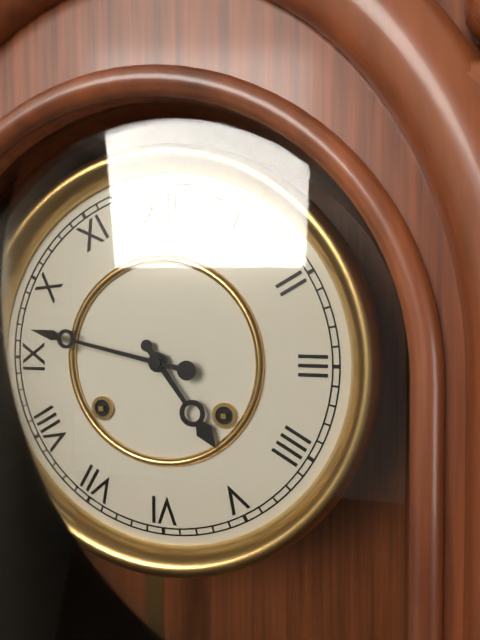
4:47
